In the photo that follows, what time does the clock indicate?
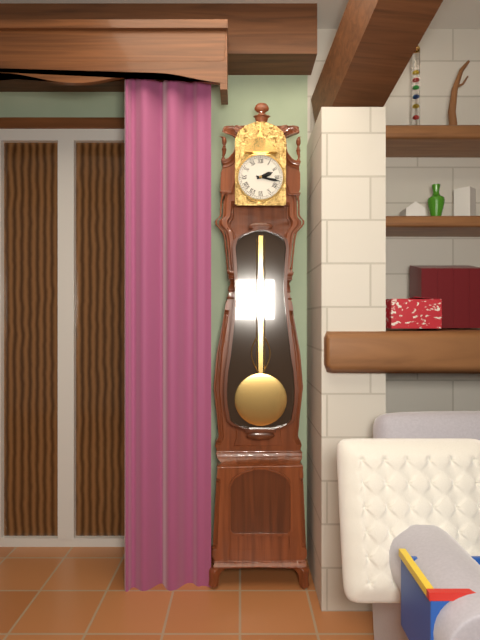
2:17
